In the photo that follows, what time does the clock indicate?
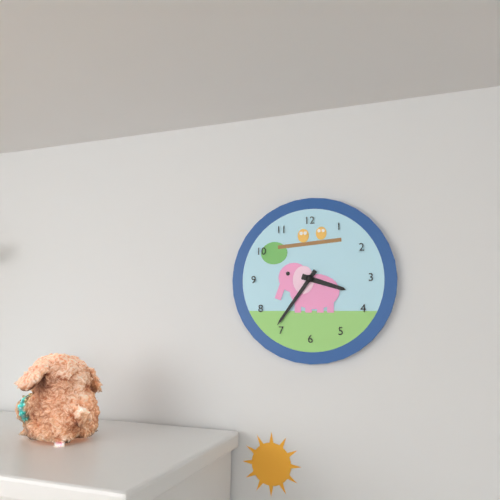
3:36
